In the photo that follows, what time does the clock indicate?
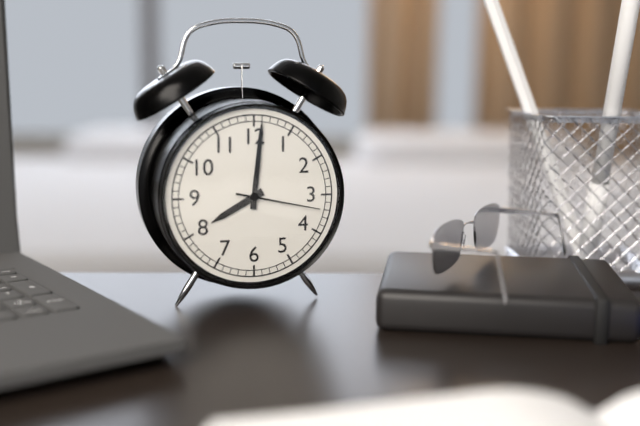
8:01:17
